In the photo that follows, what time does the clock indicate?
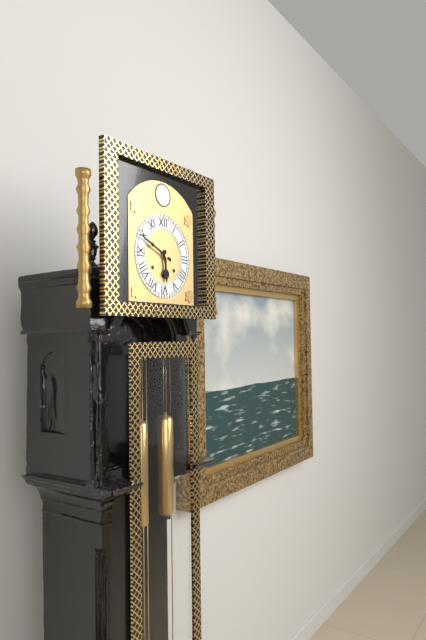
5:49
